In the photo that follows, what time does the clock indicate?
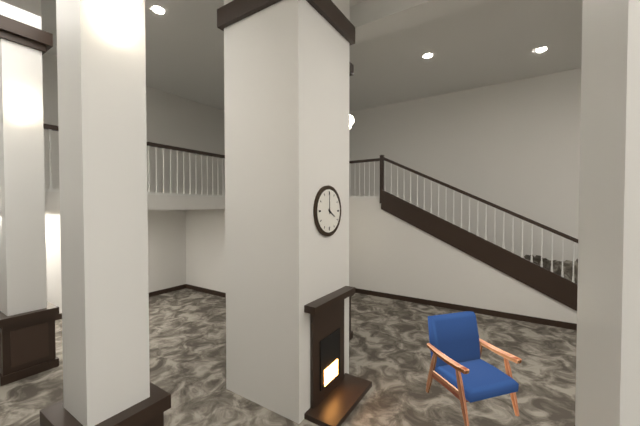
4:00
